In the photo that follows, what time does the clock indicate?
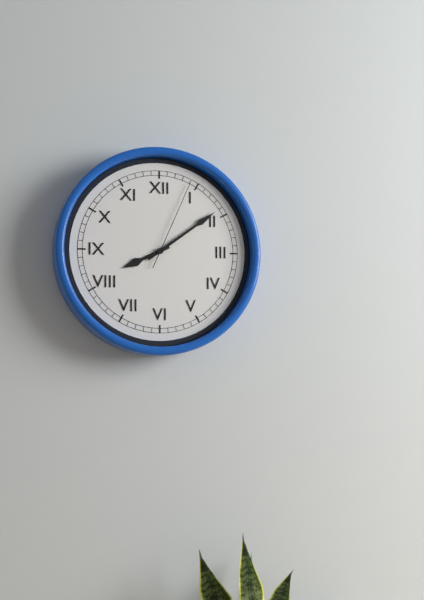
8:09:04
